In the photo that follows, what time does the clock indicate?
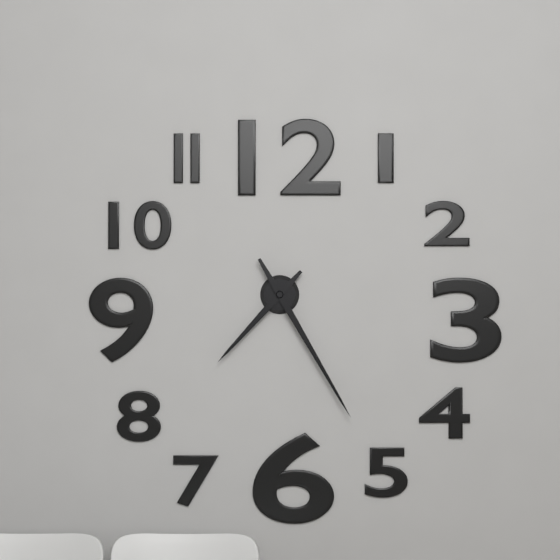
7:25
